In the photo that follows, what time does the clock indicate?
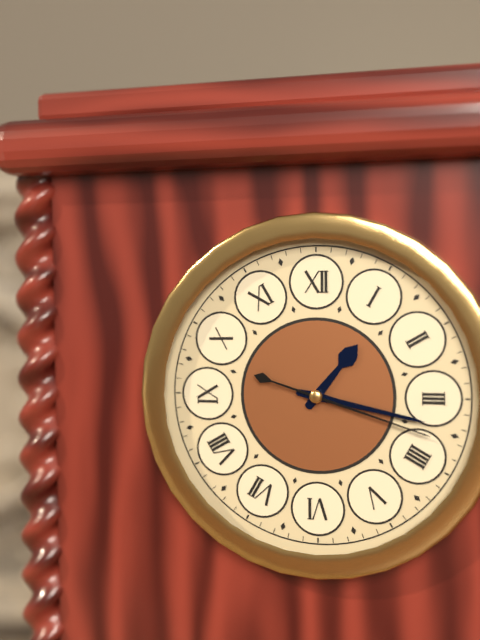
1:17:18
